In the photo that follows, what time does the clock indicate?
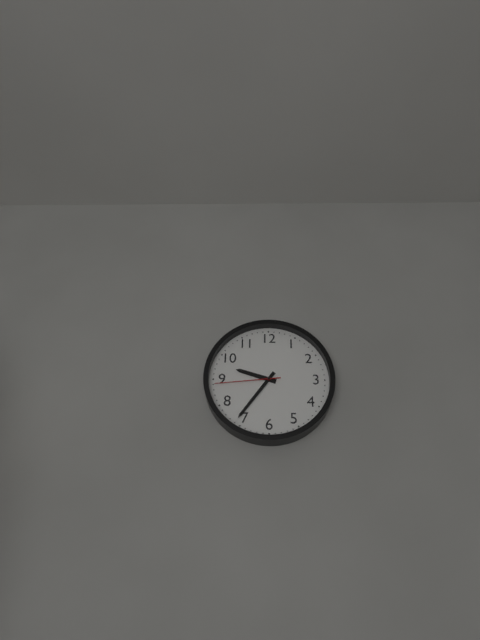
9:36:44
